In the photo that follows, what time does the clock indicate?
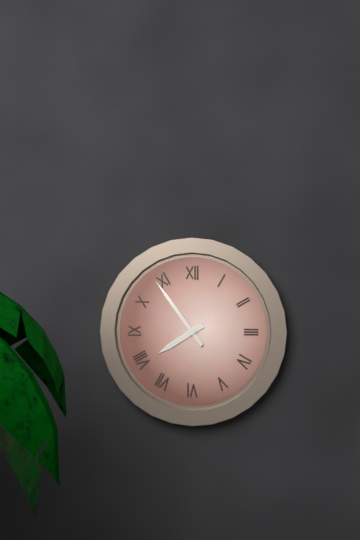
7:54
